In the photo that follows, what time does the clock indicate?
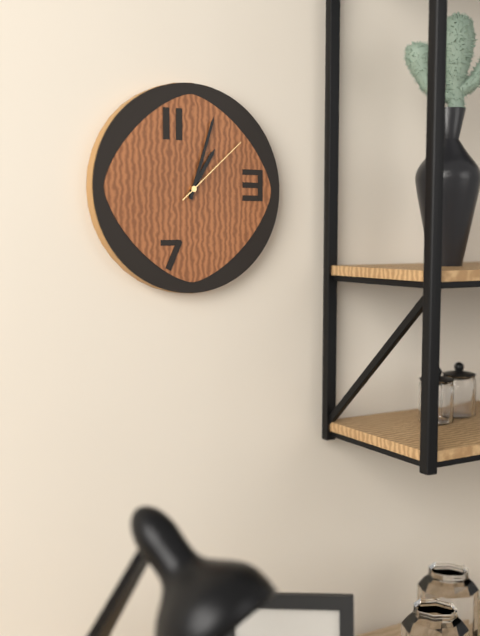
1:03:08
